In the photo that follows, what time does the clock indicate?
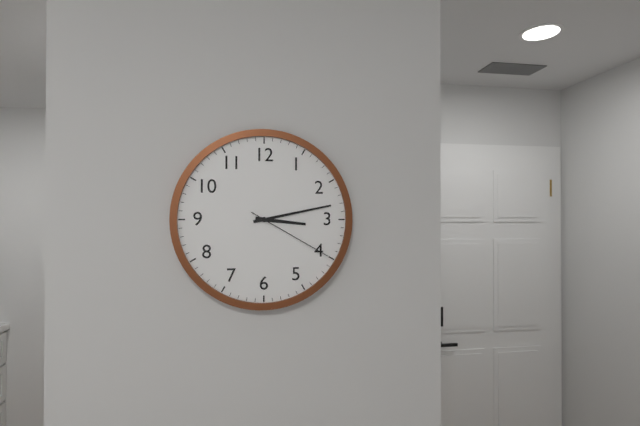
3:13:20
